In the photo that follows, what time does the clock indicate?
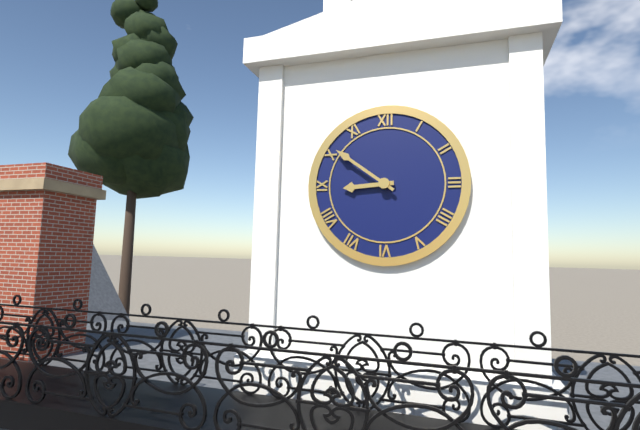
8:51
